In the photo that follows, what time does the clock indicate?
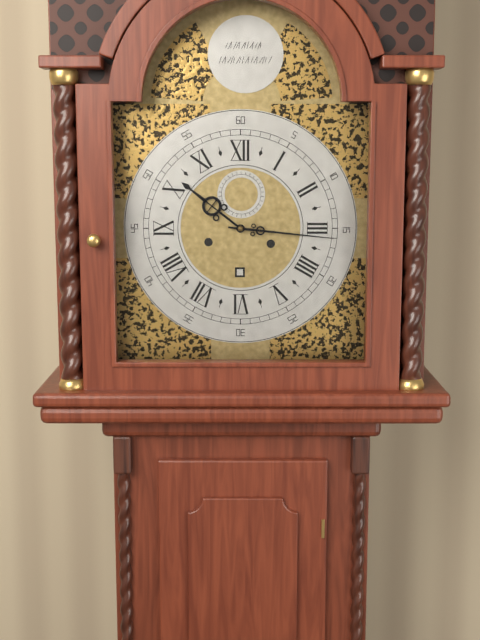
10:16
